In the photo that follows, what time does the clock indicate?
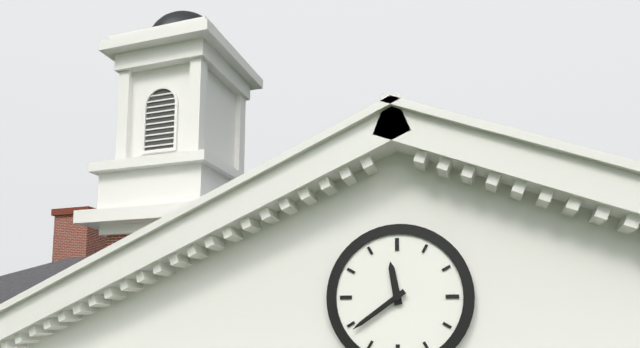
11:39
